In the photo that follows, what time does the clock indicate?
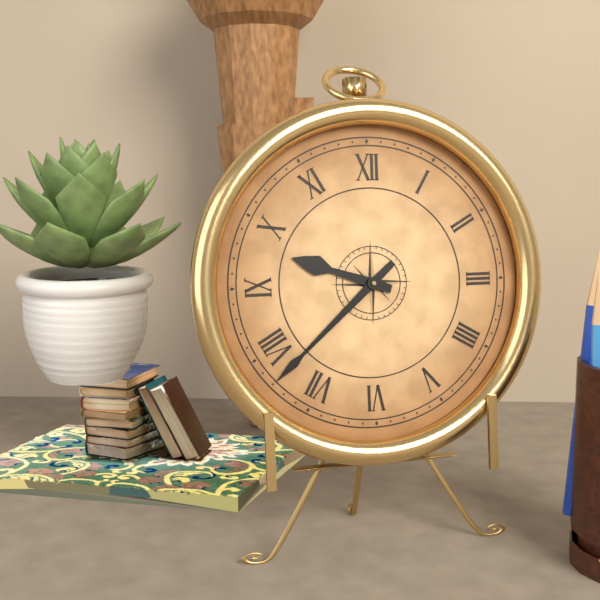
9:38
